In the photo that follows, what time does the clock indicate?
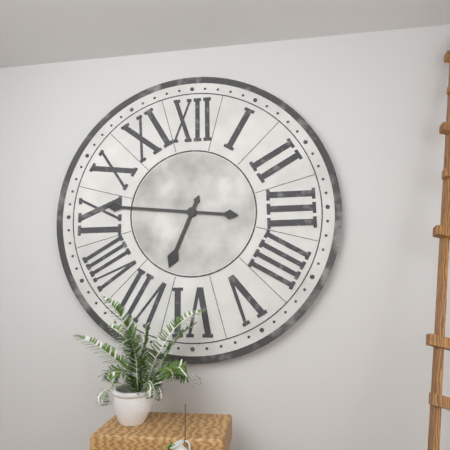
6:46
